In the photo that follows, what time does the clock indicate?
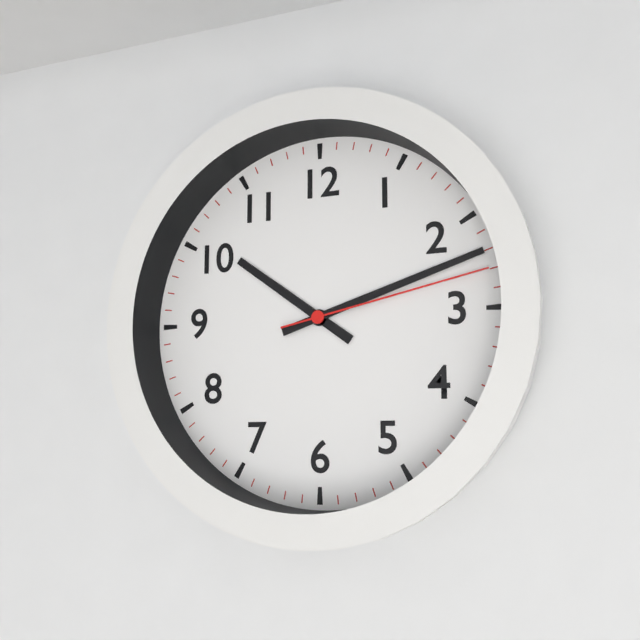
10:12:13
